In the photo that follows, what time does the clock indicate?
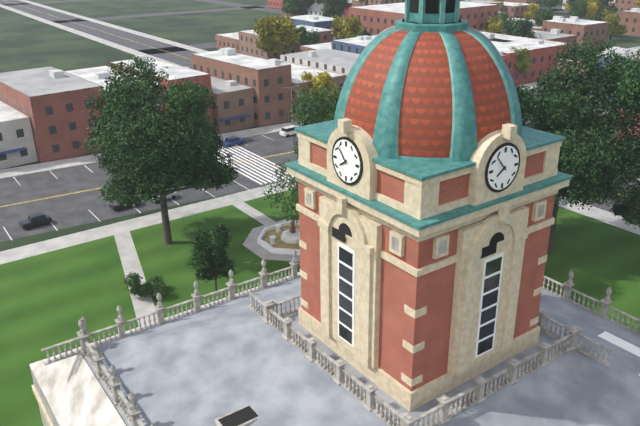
7:53
